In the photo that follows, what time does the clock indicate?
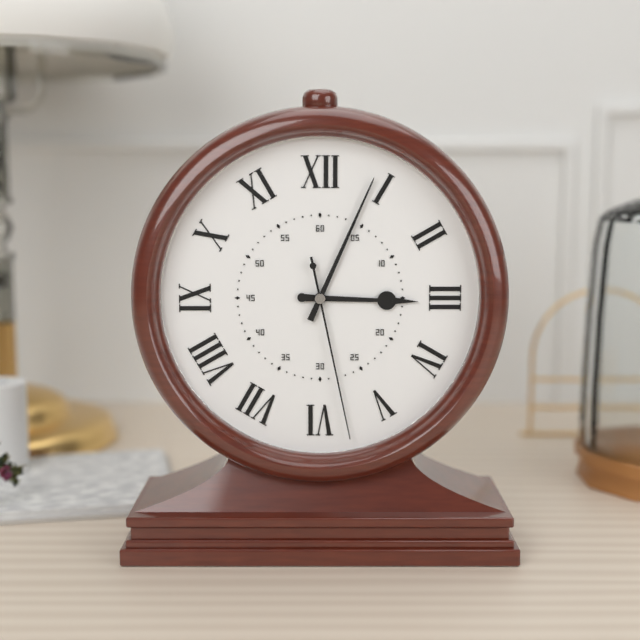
3:04:28
